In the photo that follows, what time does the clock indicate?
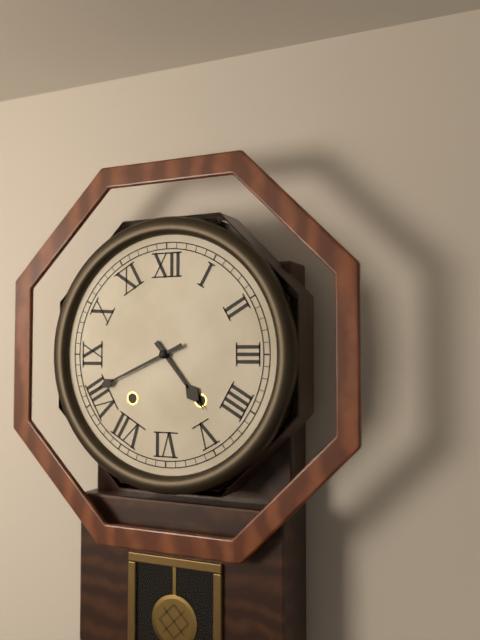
4:41
